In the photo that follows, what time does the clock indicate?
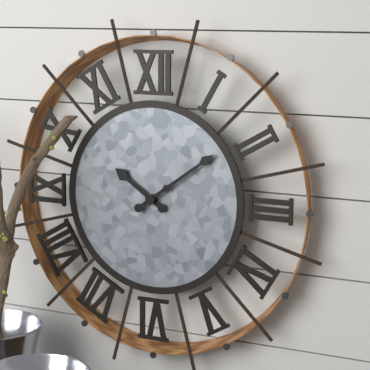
10:09
